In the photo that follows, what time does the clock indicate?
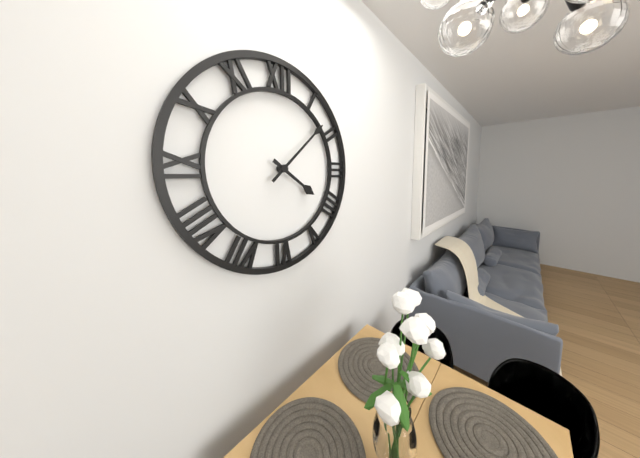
4:08
